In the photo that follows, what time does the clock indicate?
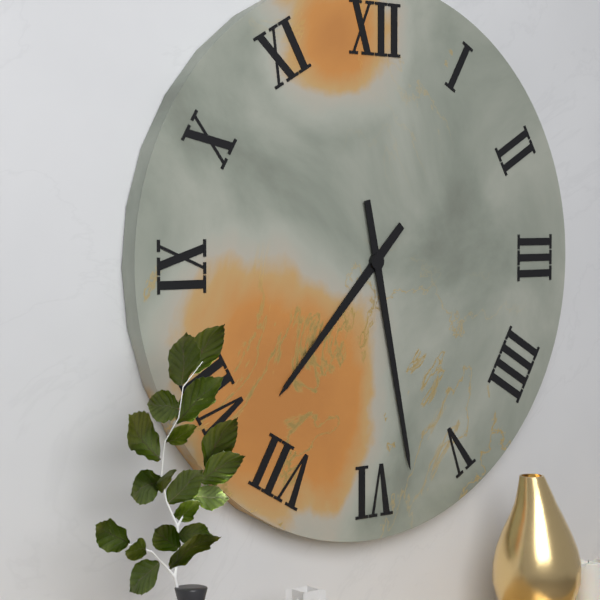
7:28
